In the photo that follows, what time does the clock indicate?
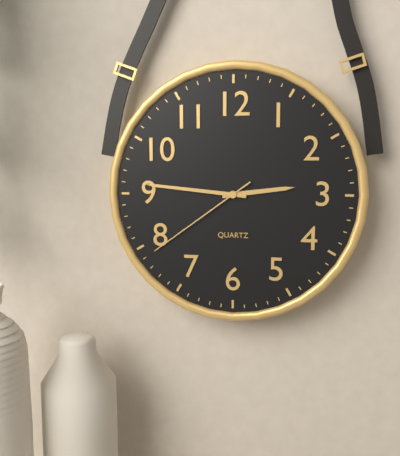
2:46:39
